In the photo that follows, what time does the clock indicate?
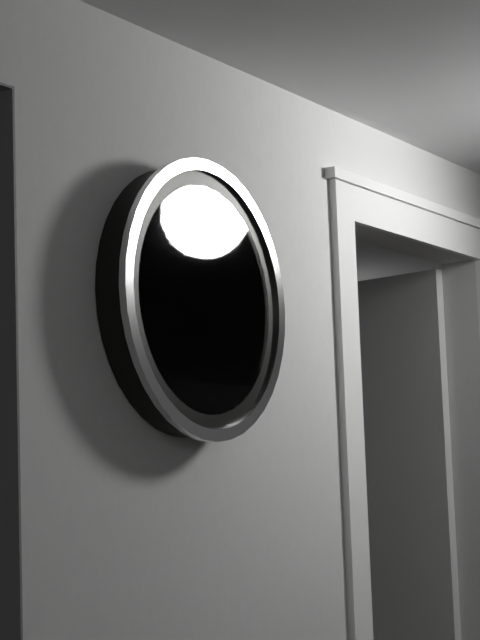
3:05
